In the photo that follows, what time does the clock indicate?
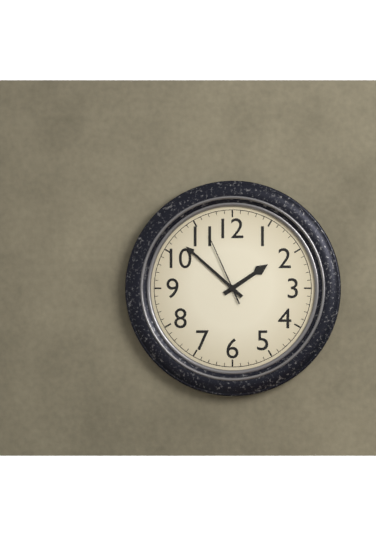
1:52:56
